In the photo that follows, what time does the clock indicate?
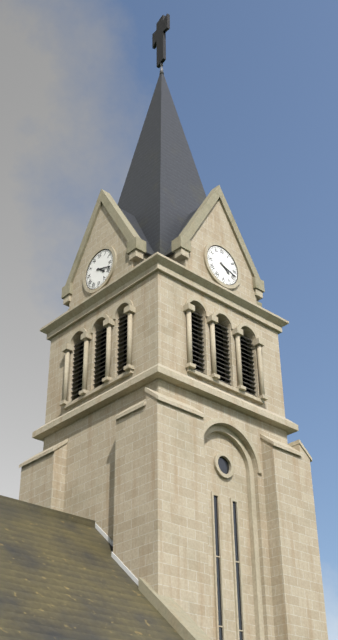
4:18
